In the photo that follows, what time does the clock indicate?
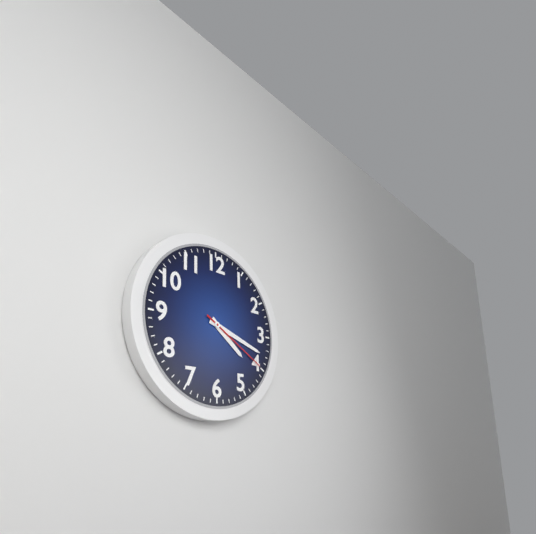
4:18:20
